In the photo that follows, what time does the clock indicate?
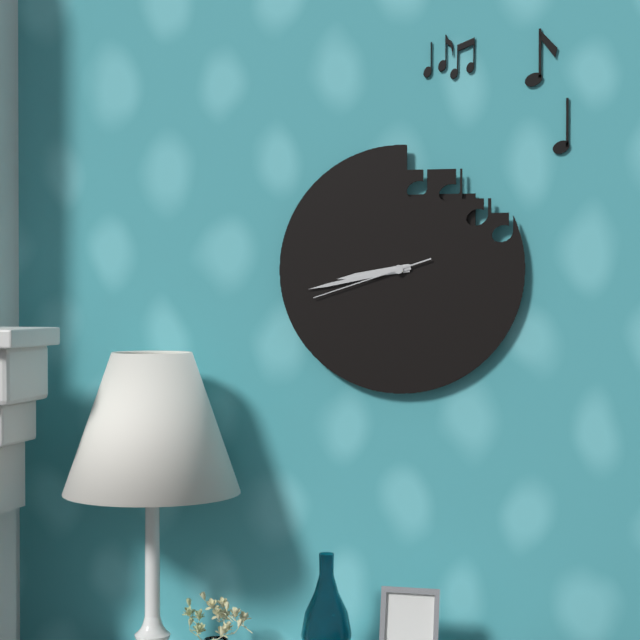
8:43:42
